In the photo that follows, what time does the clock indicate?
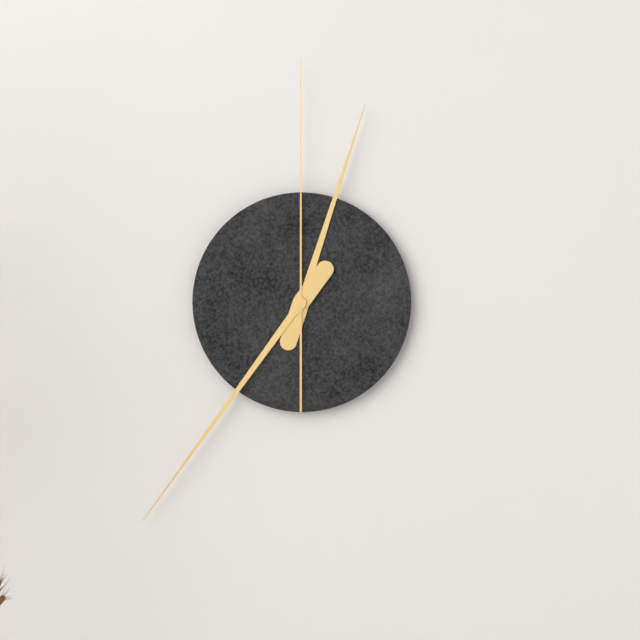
12:36:00
